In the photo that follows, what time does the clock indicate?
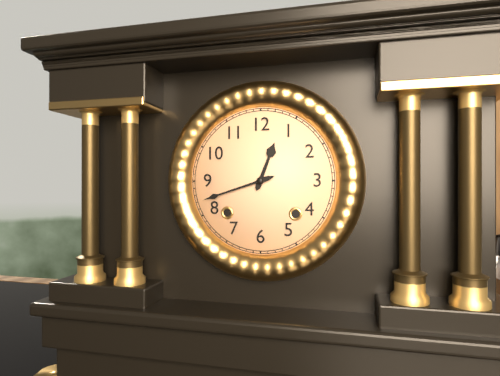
12:42
